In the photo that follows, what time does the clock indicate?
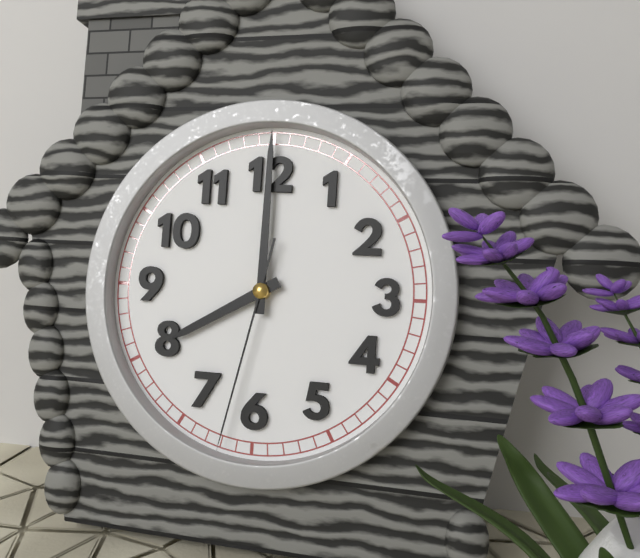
8:00:32
